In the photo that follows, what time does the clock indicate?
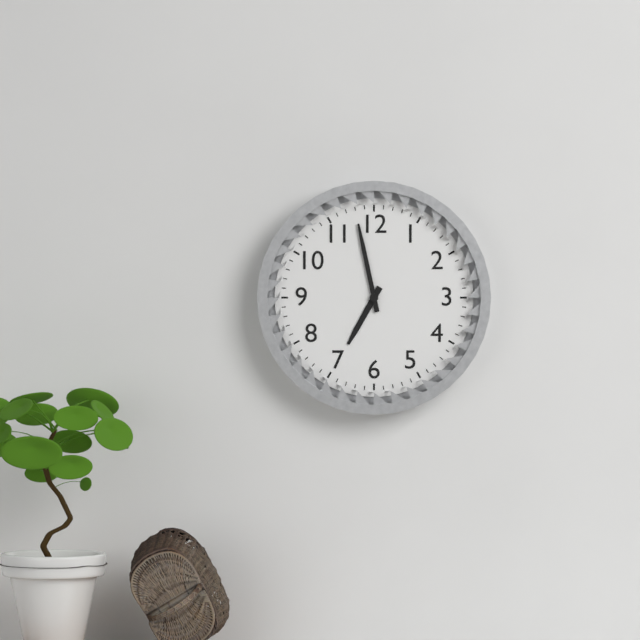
6:58
